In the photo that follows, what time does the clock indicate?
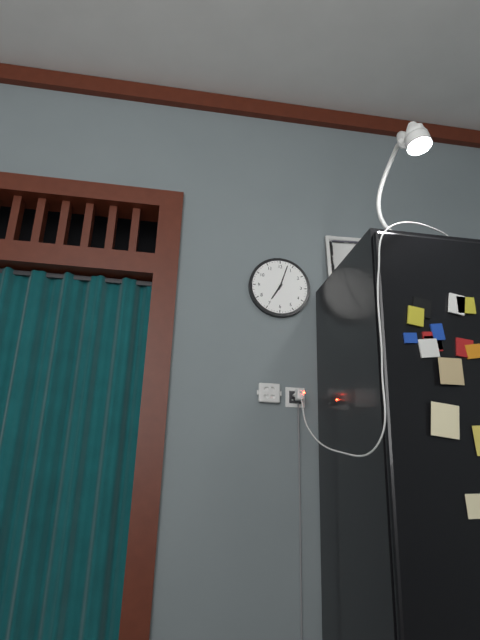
7:03
